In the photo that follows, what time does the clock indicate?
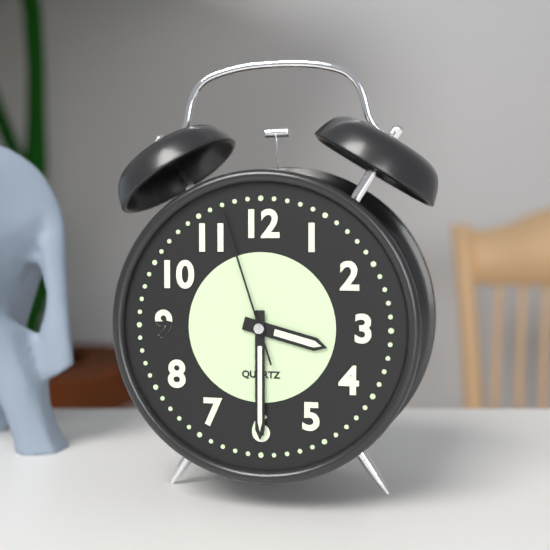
3:30:57
